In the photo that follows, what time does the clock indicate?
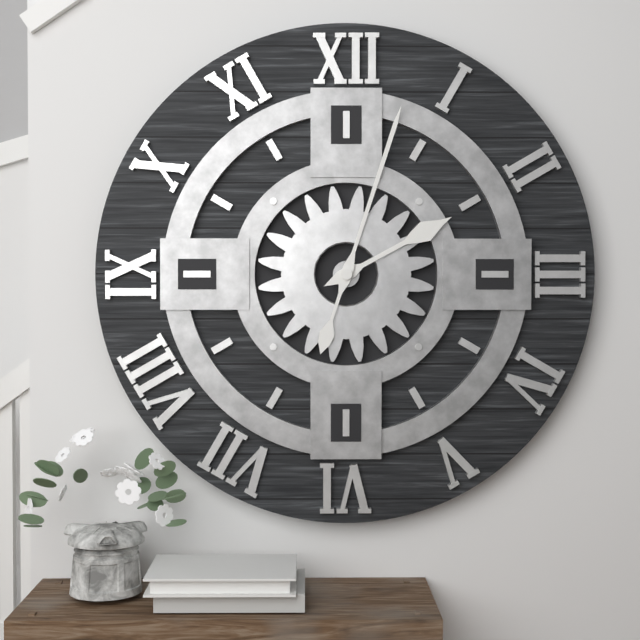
2:03
